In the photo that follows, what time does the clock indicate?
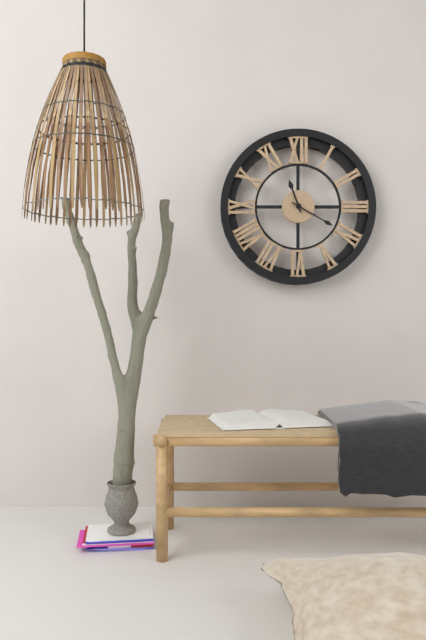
11:20
